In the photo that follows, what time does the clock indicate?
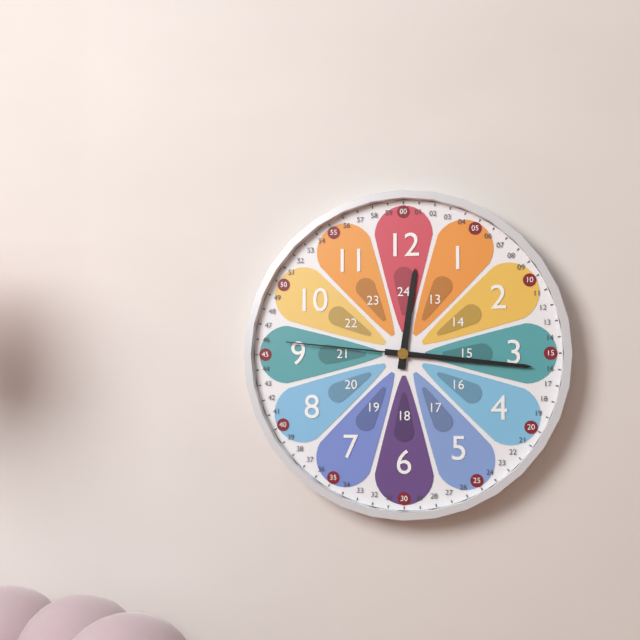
12:16:46
